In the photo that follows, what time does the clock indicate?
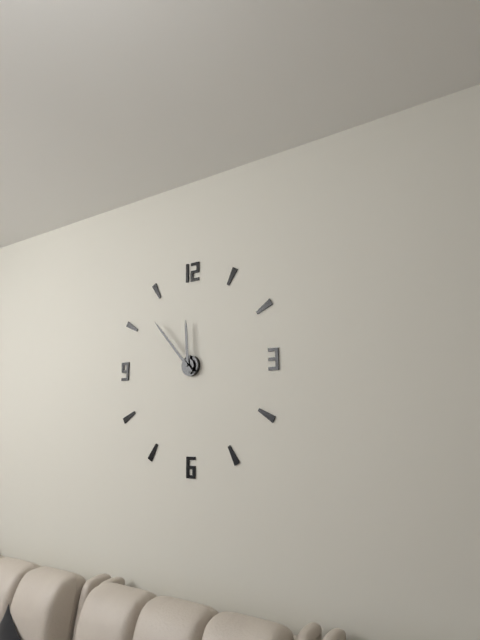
11:53
